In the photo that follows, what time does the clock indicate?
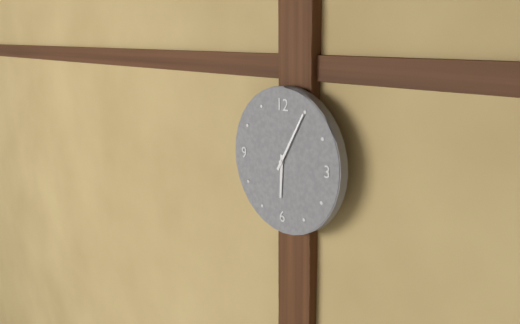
6:05
